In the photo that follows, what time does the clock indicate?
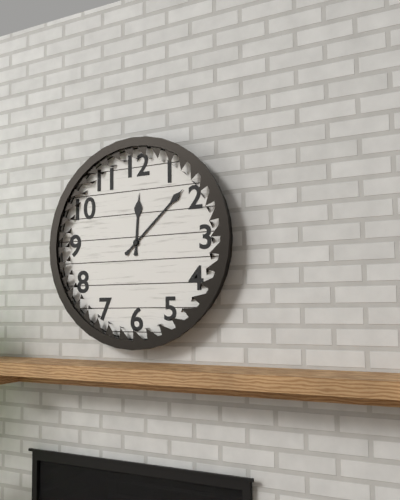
12:08
